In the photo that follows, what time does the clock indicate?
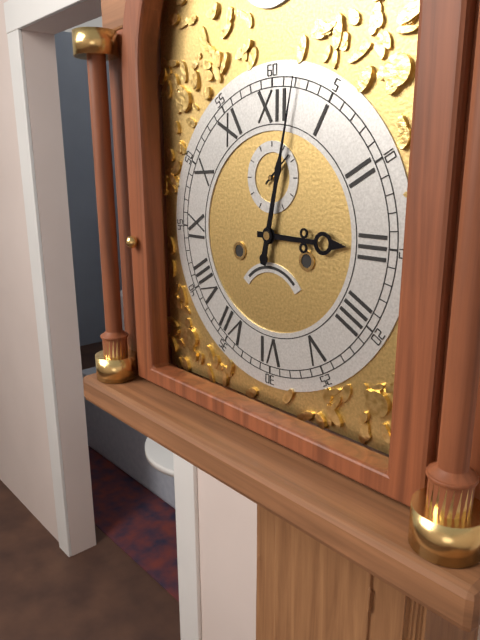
3:02
